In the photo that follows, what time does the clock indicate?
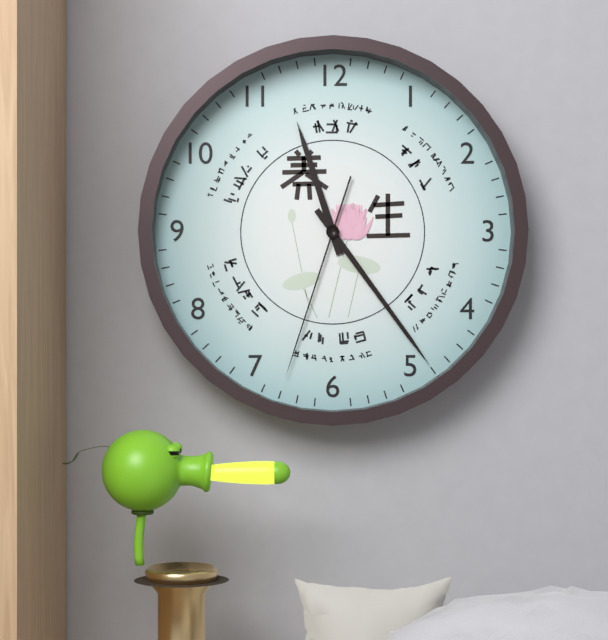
11:24:33
